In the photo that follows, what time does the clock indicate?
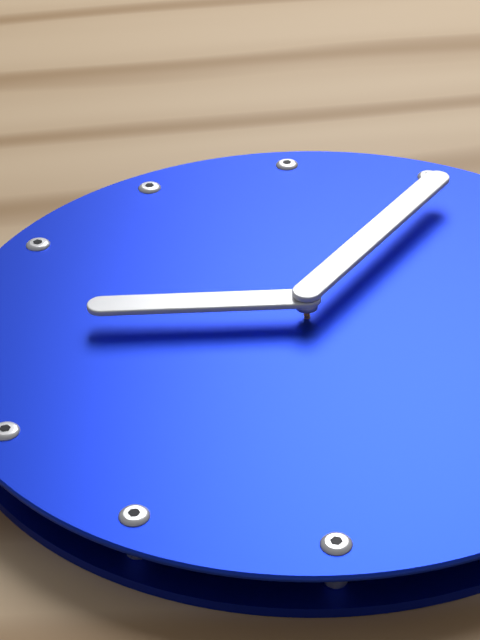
8:01
